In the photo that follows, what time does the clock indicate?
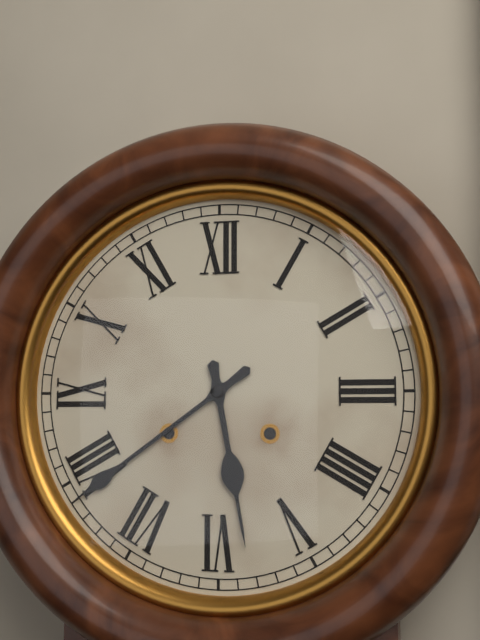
5:39
